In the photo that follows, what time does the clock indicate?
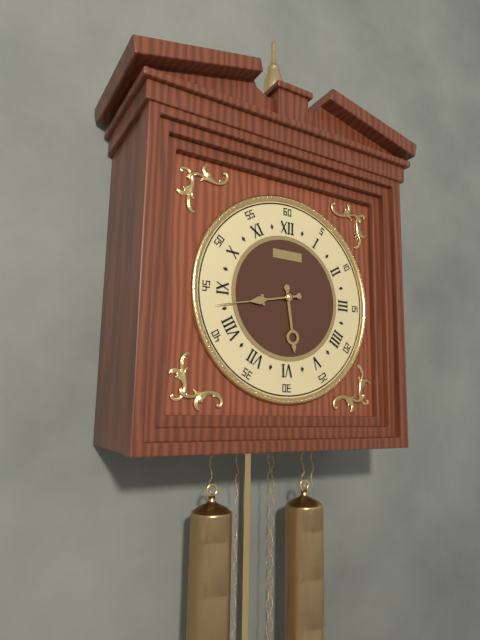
5:43
